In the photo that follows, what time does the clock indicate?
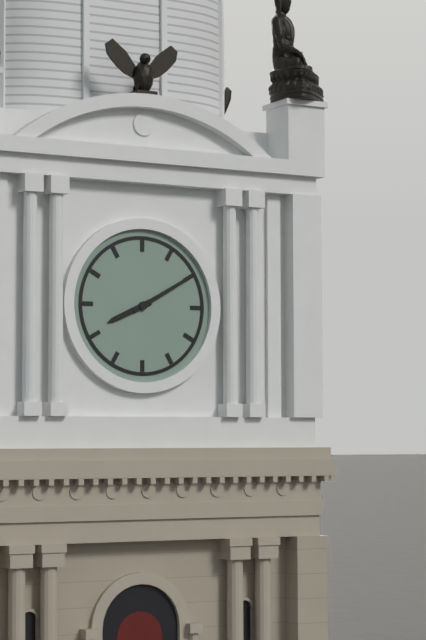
8:10
